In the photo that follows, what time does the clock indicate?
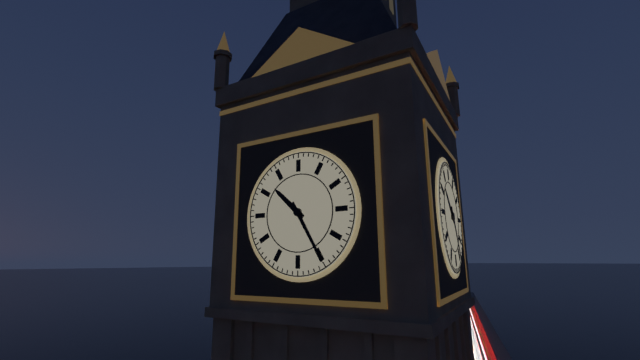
10:25
